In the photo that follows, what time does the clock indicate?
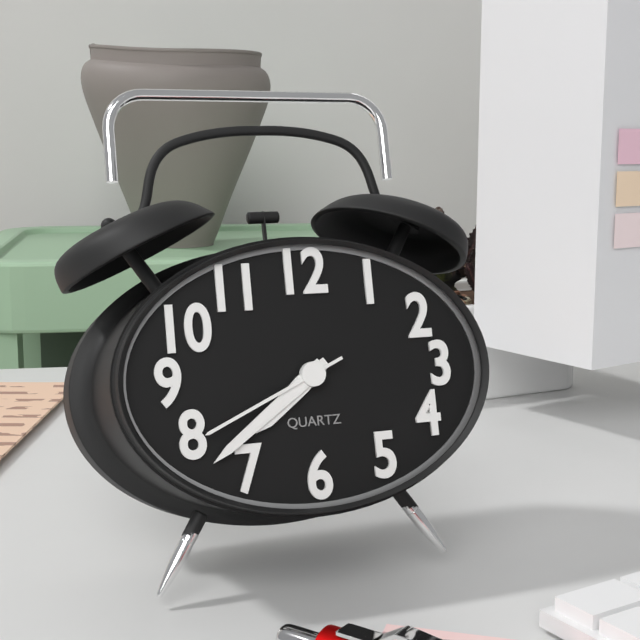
7:39:41
